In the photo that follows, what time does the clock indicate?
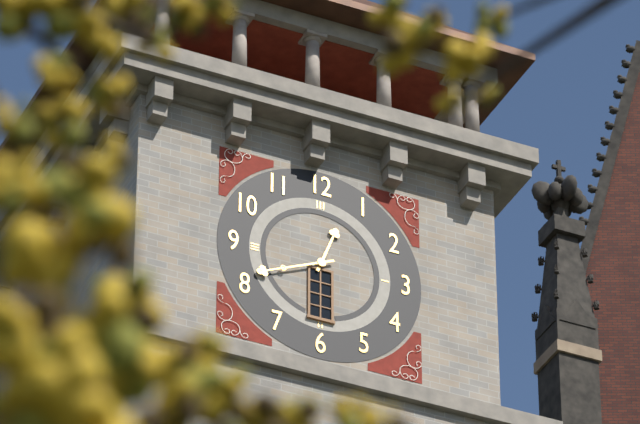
12:41
